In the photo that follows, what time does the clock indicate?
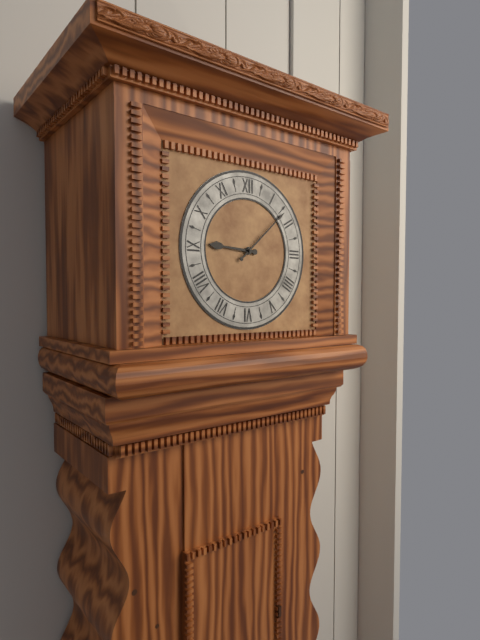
9:08
